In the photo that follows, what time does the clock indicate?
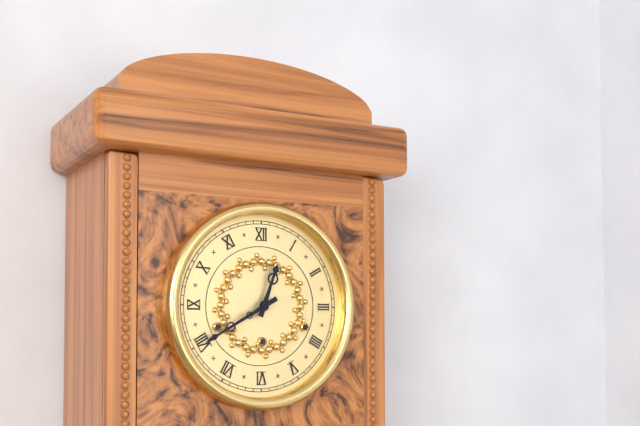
12:40
